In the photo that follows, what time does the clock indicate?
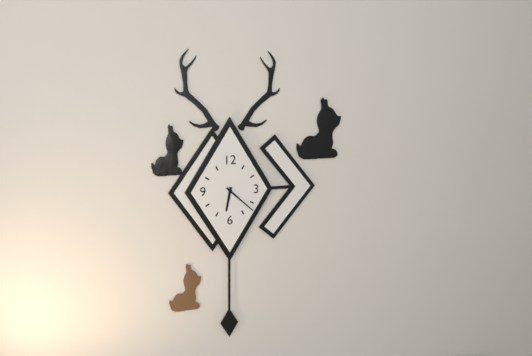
6:22
